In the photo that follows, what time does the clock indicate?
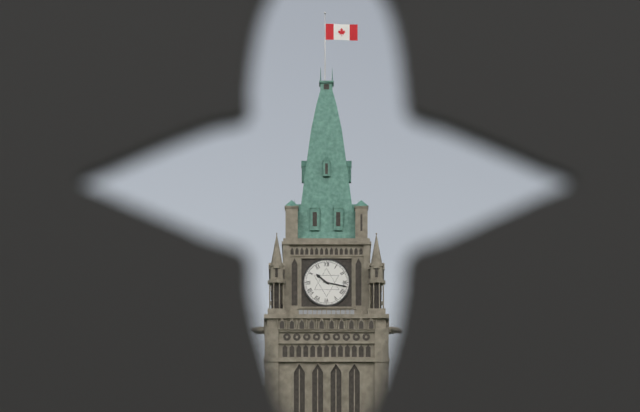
10:17
